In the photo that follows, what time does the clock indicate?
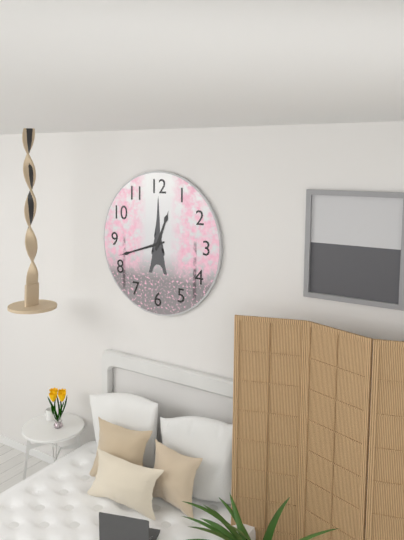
12:42
